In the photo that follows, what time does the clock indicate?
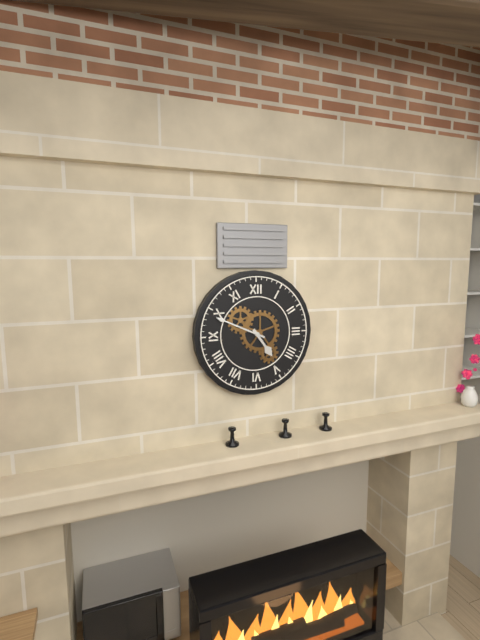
4:49
